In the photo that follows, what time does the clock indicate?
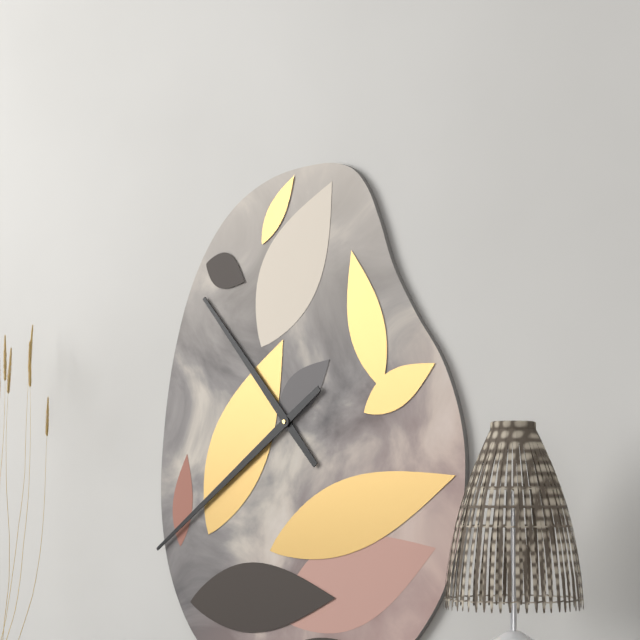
10:39
